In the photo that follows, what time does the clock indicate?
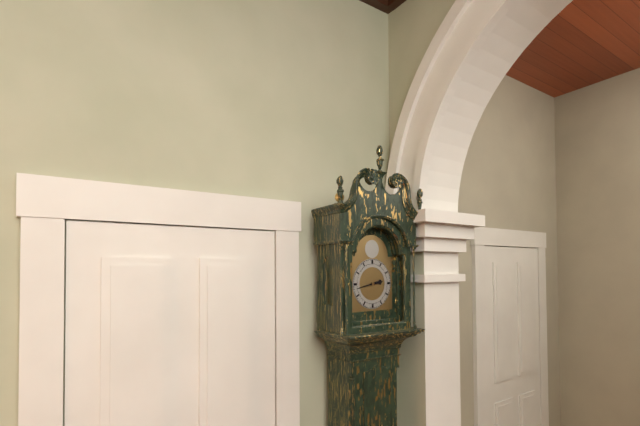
2:43
